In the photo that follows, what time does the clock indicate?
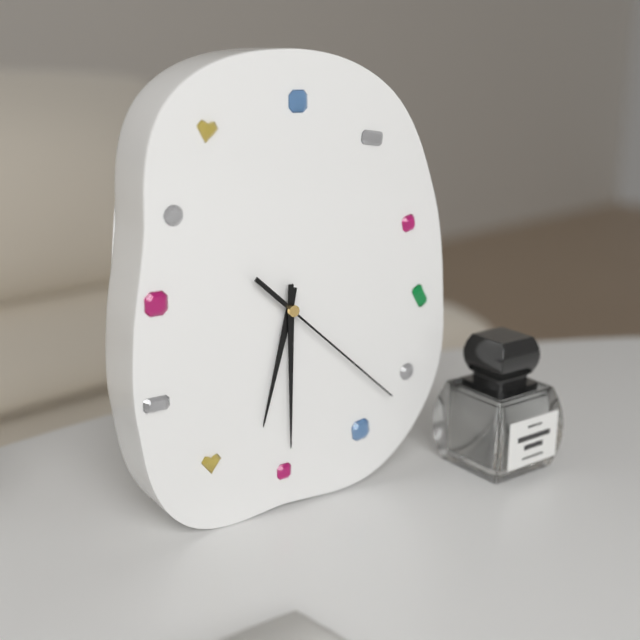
6:30:22
